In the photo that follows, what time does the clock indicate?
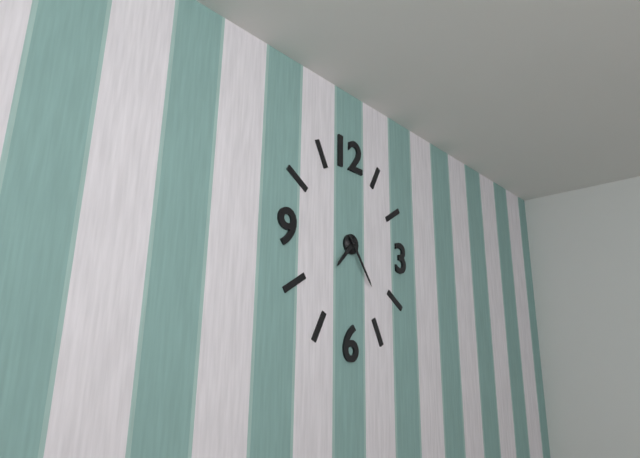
7:24
